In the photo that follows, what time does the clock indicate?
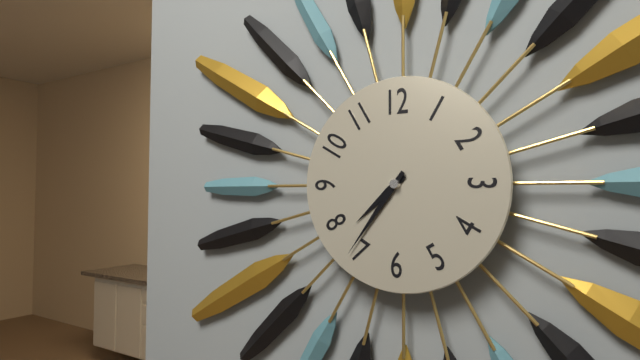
7:36
